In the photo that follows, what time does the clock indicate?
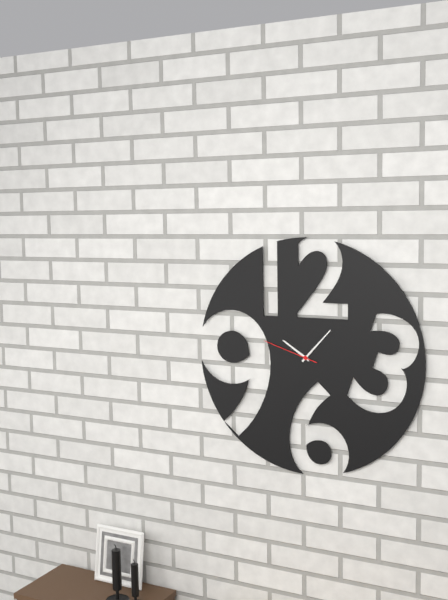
10:07:48
